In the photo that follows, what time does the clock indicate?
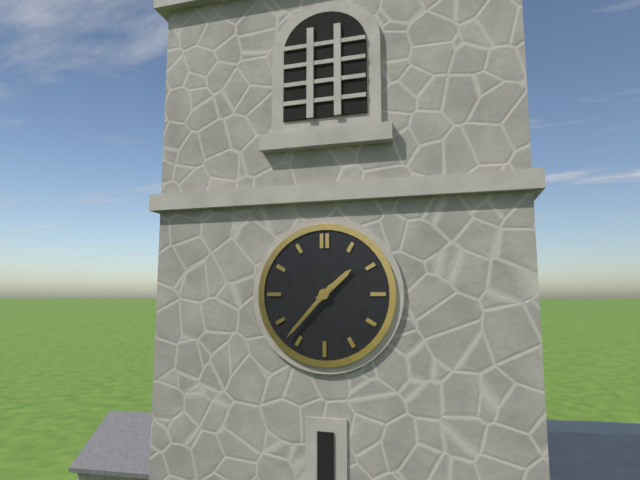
1:37
